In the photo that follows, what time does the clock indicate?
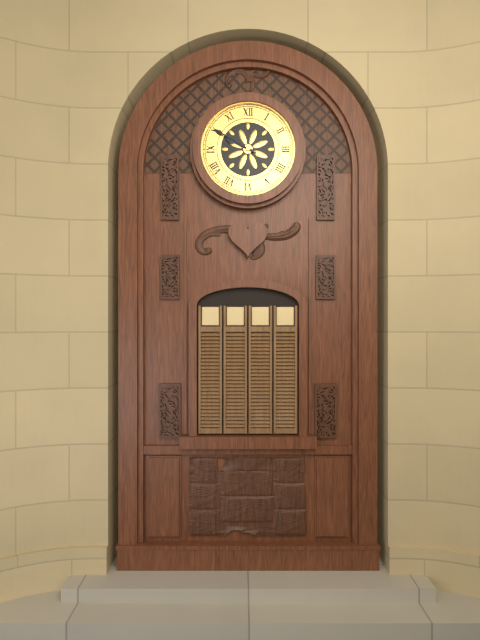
9:50
